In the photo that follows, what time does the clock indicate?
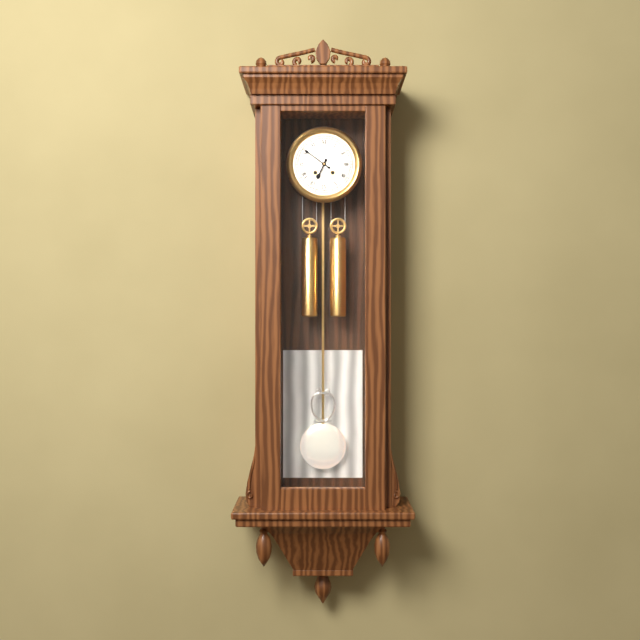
6:51
